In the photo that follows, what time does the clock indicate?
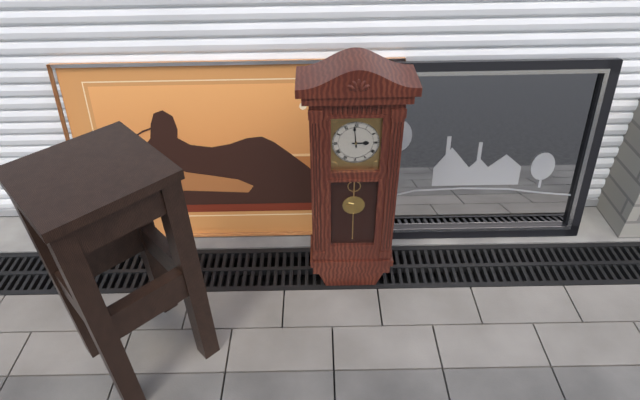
2:59
